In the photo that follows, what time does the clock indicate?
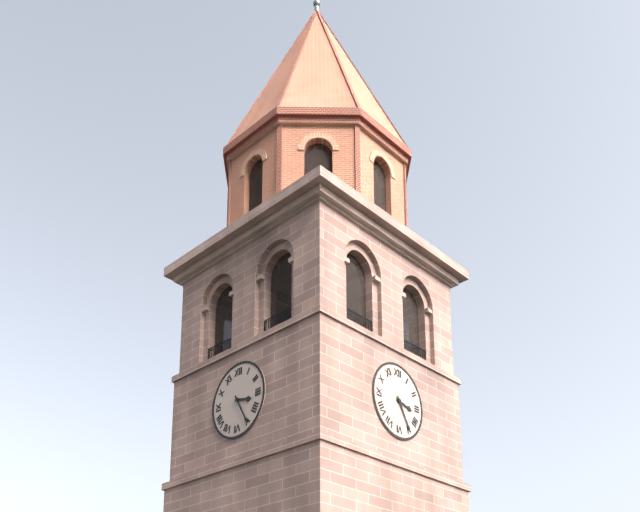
3:25
